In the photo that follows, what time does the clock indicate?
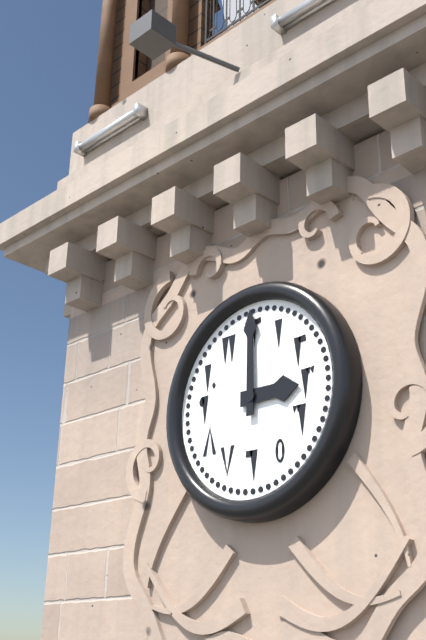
3:00
